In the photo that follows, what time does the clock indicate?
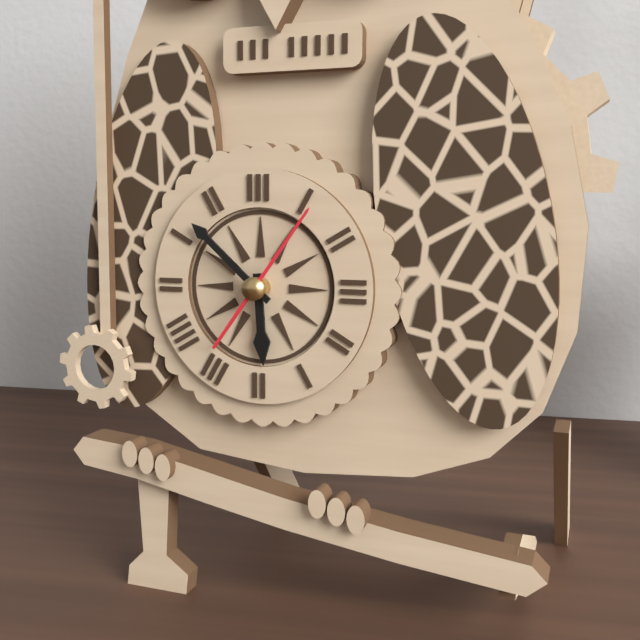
5:52:06
